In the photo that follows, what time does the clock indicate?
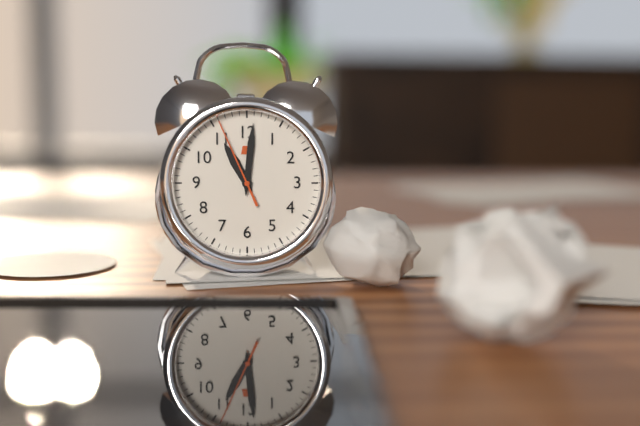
11:01:56
